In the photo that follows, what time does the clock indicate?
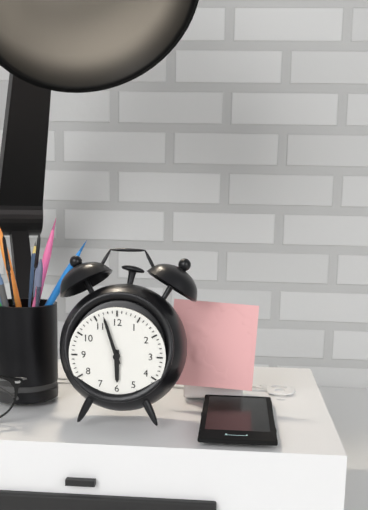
5:57
